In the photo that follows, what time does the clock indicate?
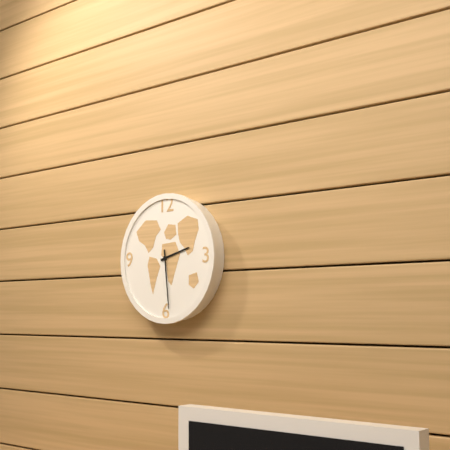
2:29
